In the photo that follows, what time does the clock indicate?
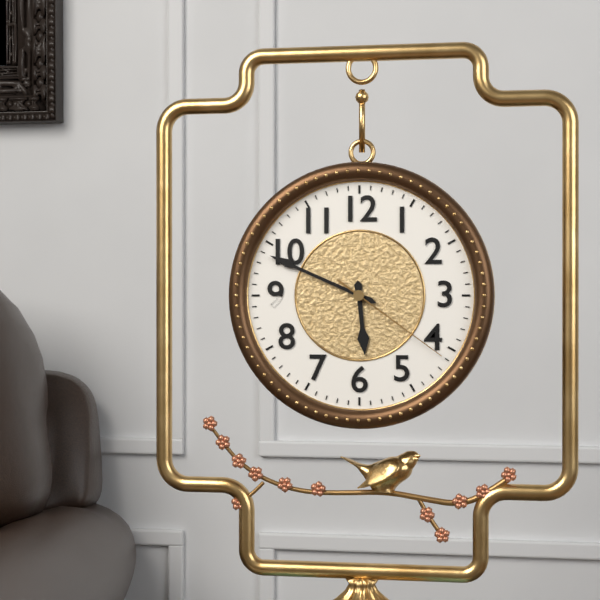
5:49:21
